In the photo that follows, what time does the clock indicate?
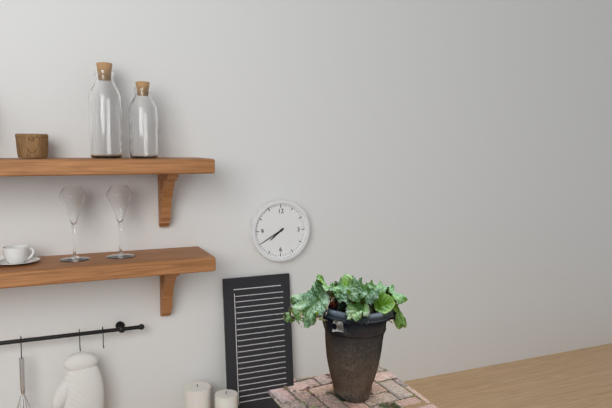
7:40
